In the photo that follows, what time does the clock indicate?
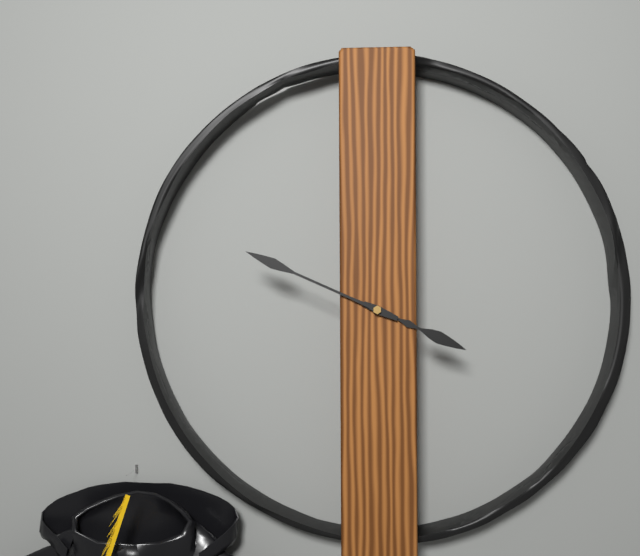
3:49
